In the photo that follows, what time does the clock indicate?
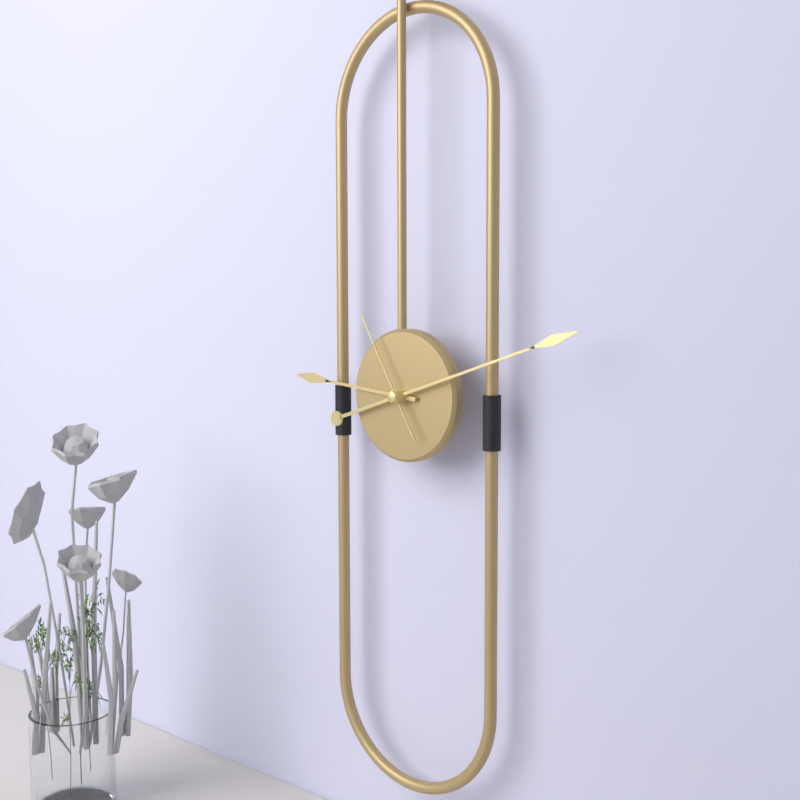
9:12:55
